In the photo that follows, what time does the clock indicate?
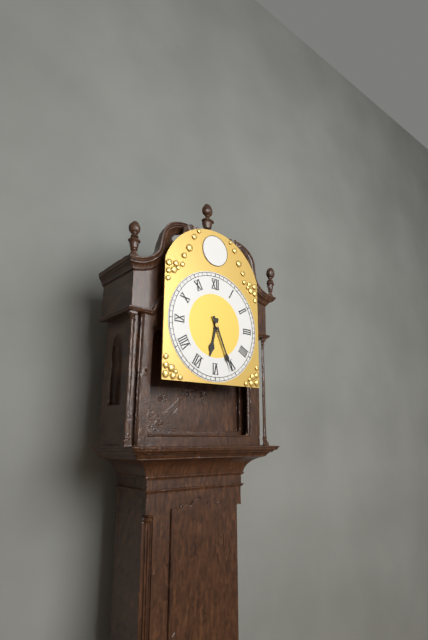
6:26
